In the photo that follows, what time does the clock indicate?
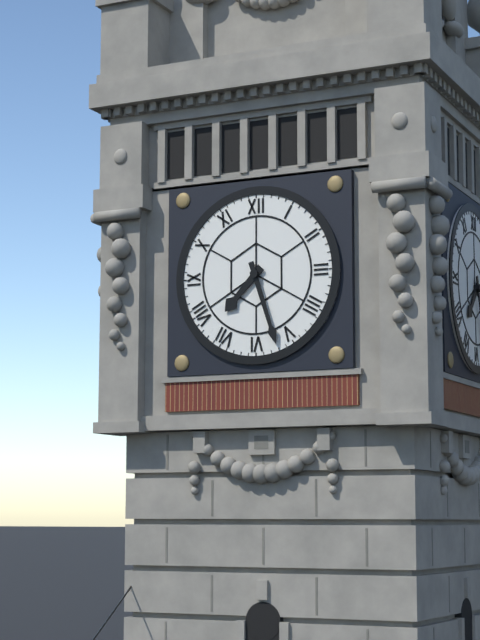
7:27
